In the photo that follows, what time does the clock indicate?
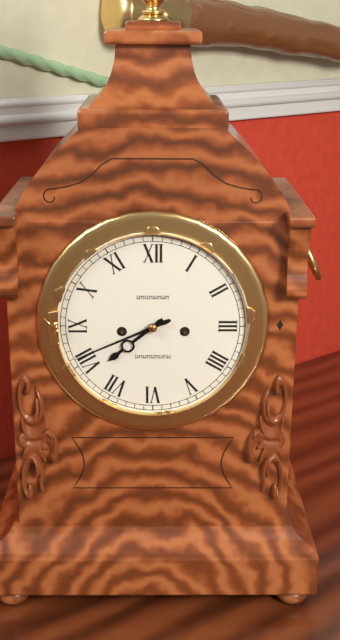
7:41
